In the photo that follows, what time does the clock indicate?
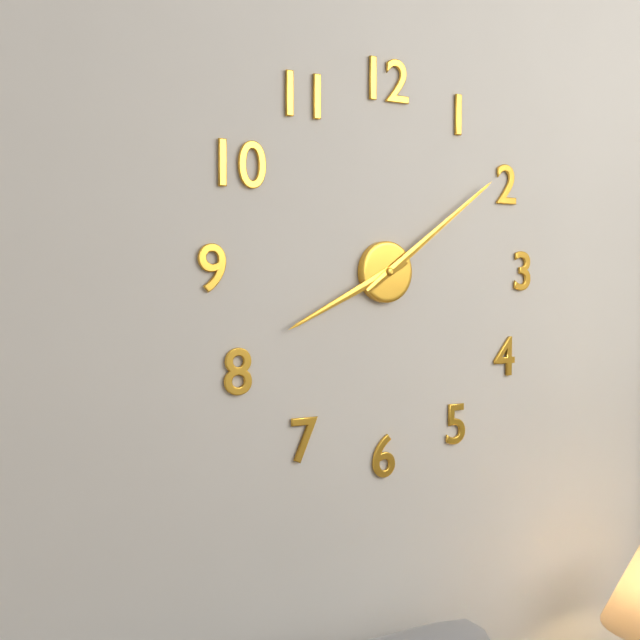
8:09
